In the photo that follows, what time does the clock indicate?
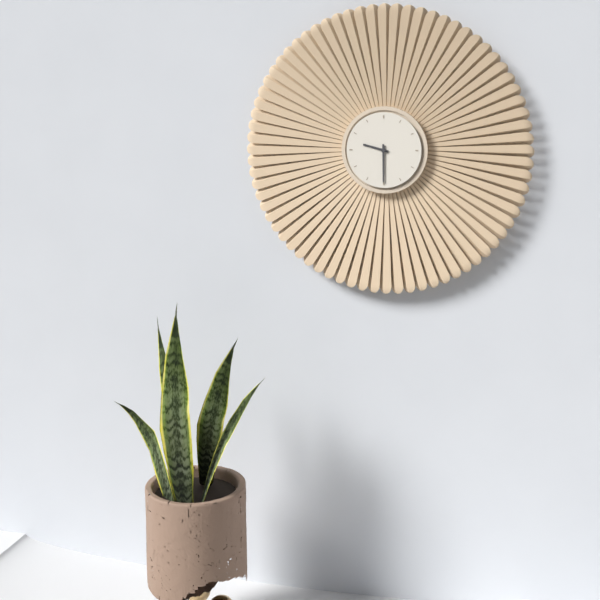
9:30
